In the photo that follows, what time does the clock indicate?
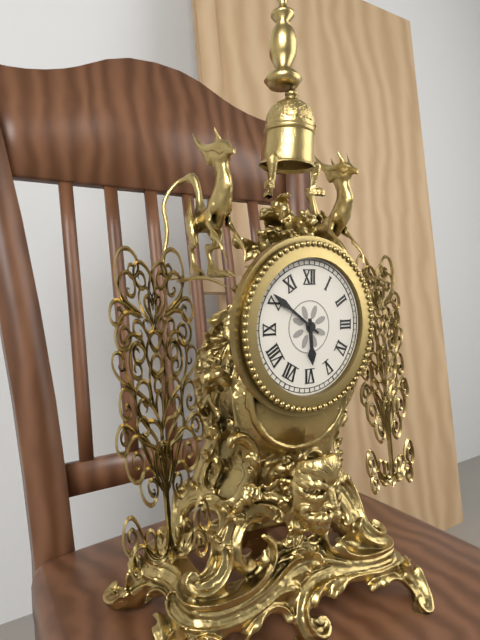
5:51
